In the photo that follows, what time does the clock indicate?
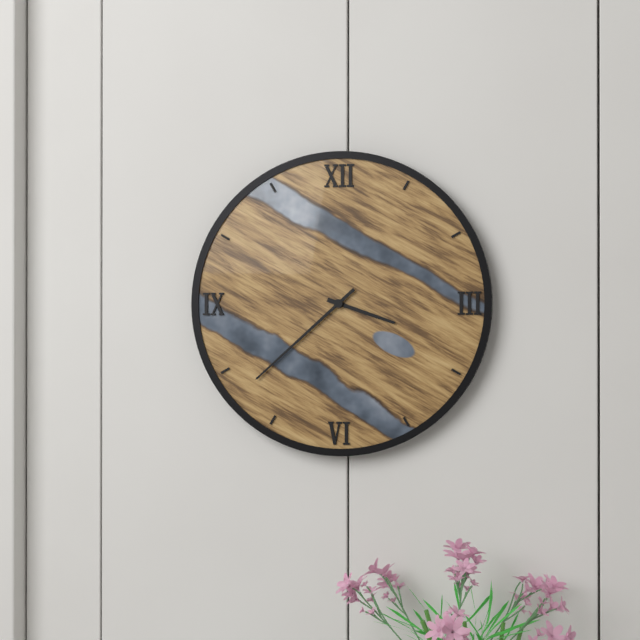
3:38
